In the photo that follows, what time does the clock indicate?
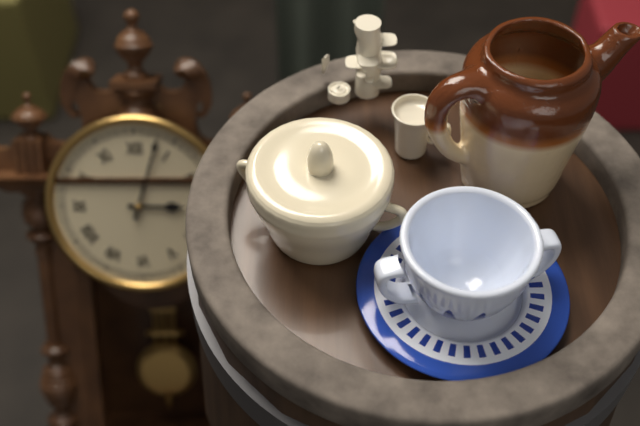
3:03
